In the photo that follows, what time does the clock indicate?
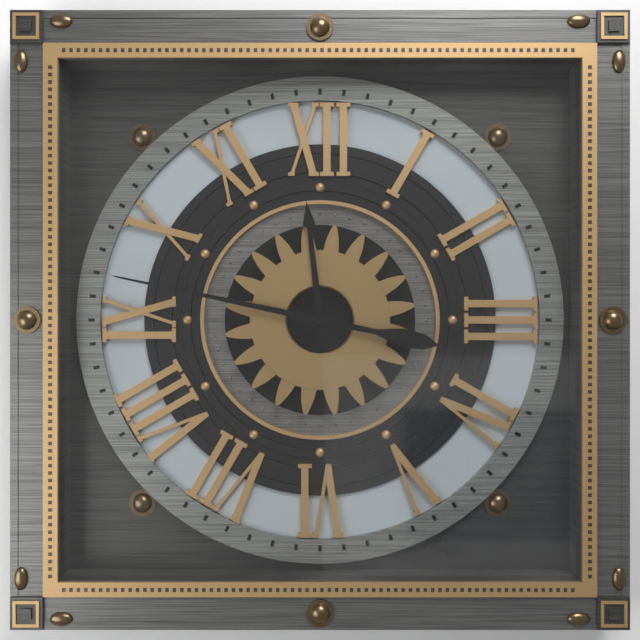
11:47
